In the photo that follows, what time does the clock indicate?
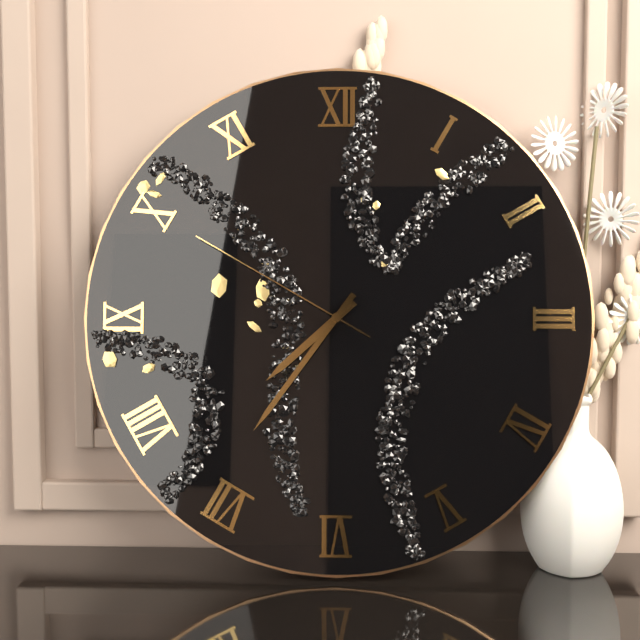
7:36:50
